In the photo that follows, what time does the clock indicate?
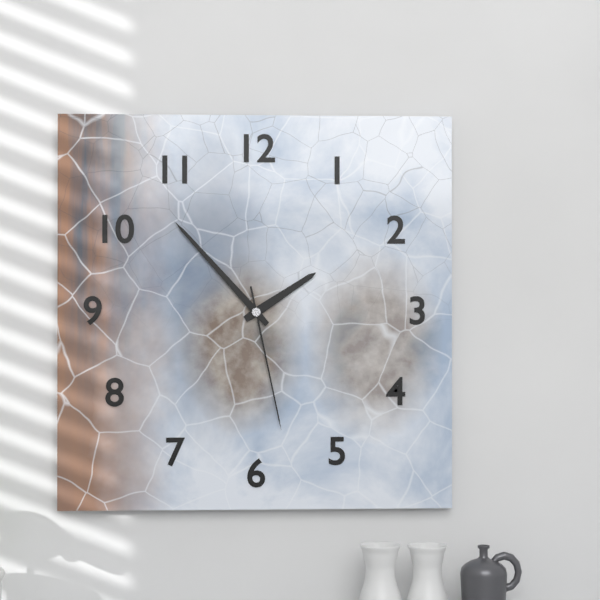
1:53:28
